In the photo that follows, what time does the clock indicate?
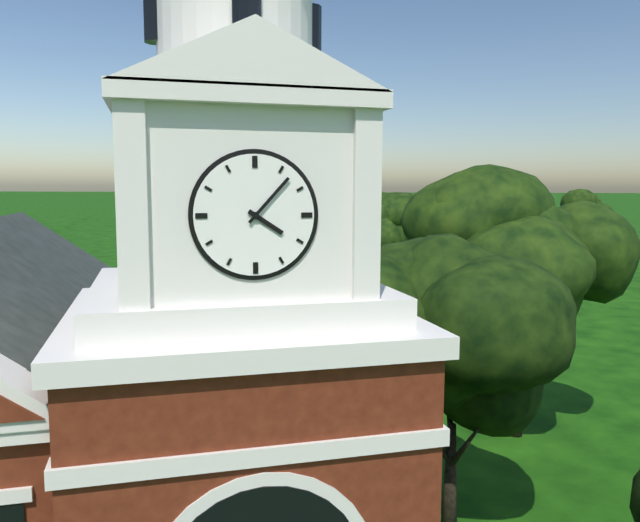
4:07
